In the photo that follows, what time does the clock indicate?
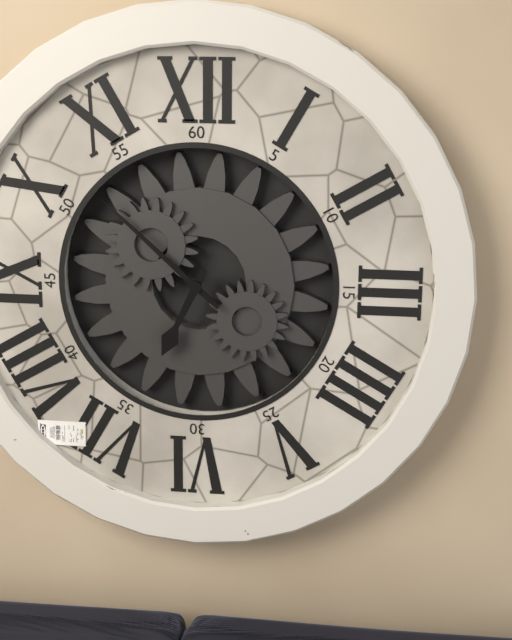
6:52
